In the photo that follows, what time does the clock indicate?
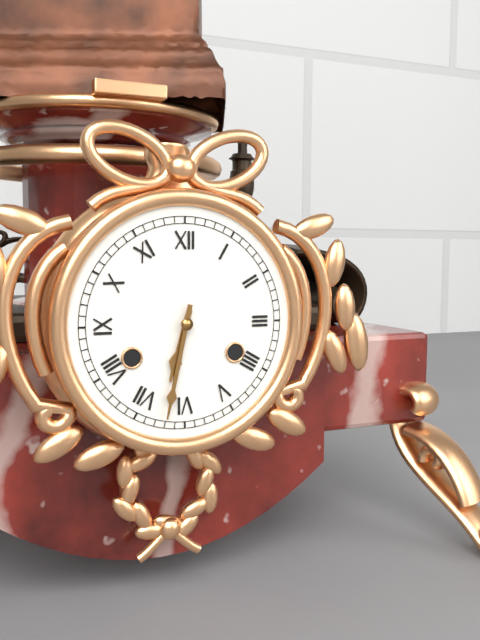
6:32
